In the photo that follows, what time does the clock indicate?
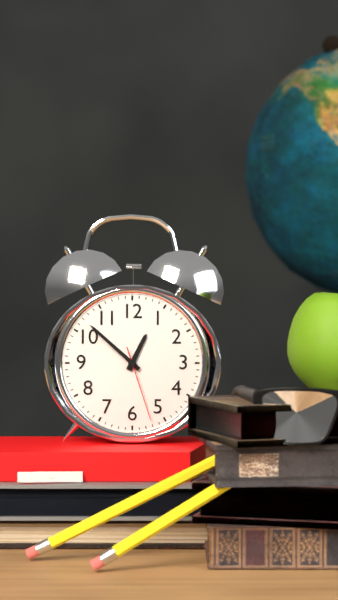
12:52:27
